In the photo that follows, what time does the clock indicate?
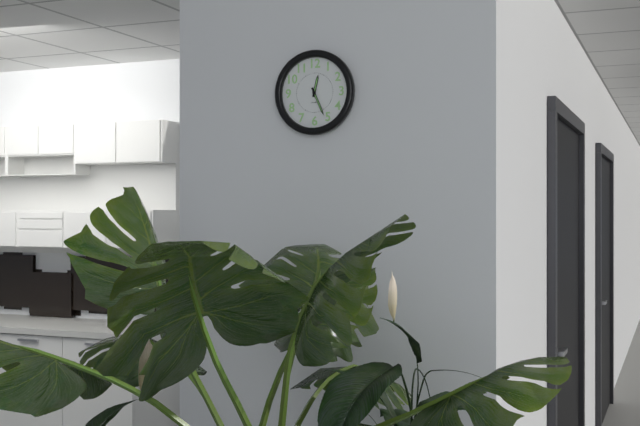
12:26
